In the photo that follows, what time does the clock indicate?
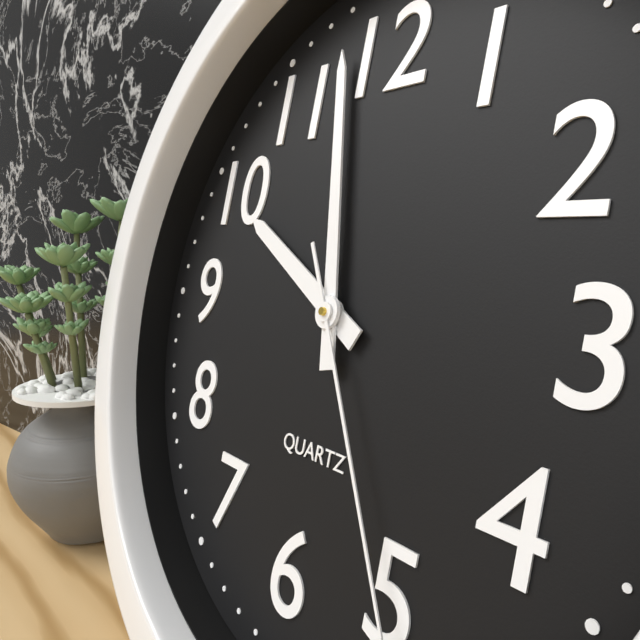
9:58
